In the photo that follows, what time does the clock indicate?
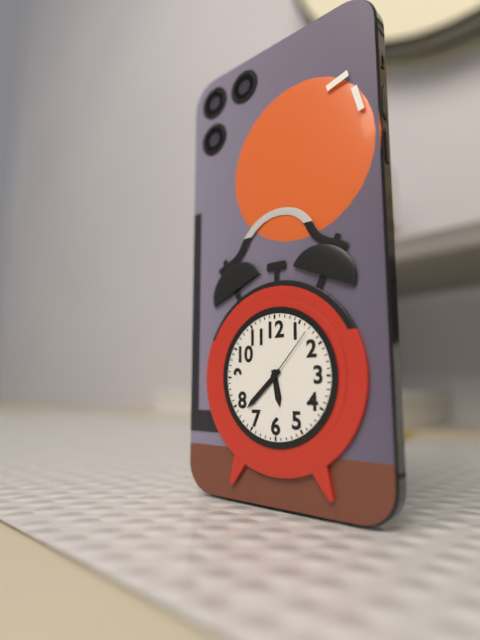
5:38:07
